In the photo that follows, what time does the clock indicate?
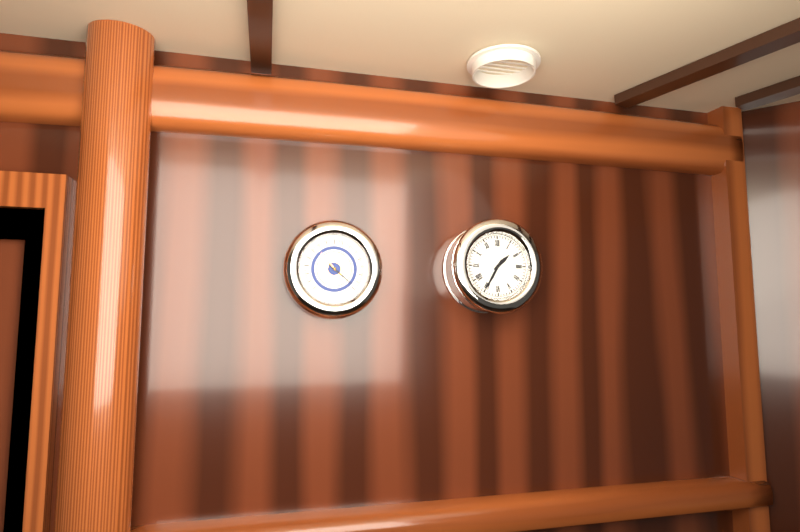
1:35
